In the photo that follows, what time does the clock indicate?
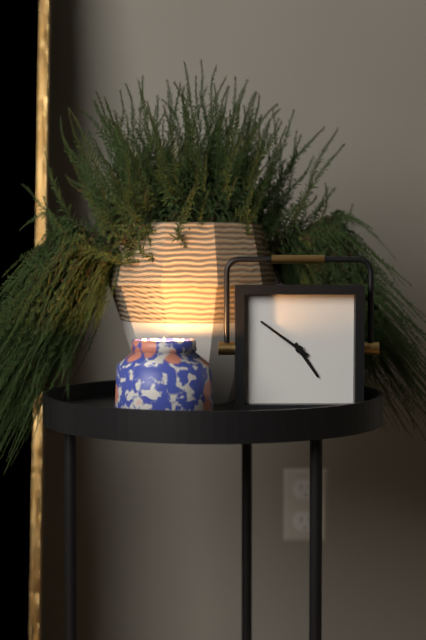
4:51
